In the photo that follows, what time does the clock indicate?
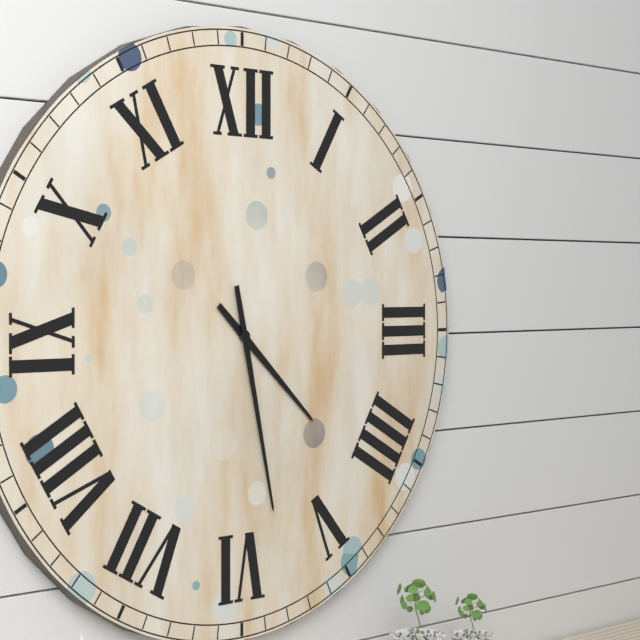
4:28
